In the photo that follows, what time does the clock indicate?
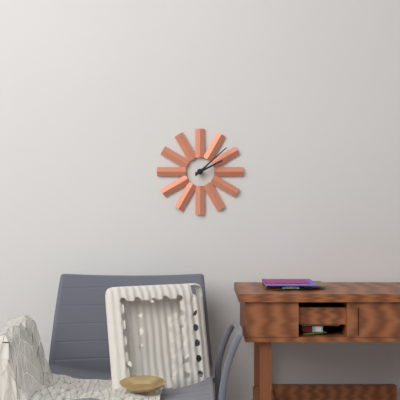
2:08
